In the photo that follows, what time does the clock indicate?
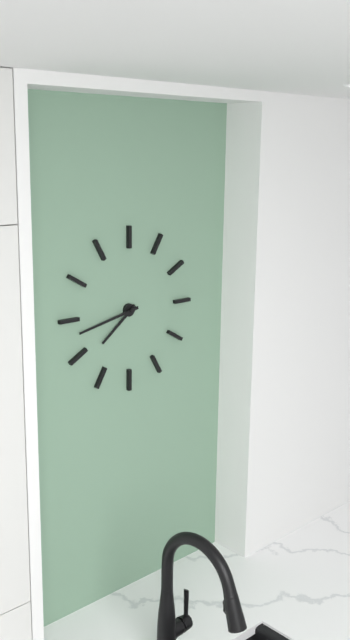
7:43
